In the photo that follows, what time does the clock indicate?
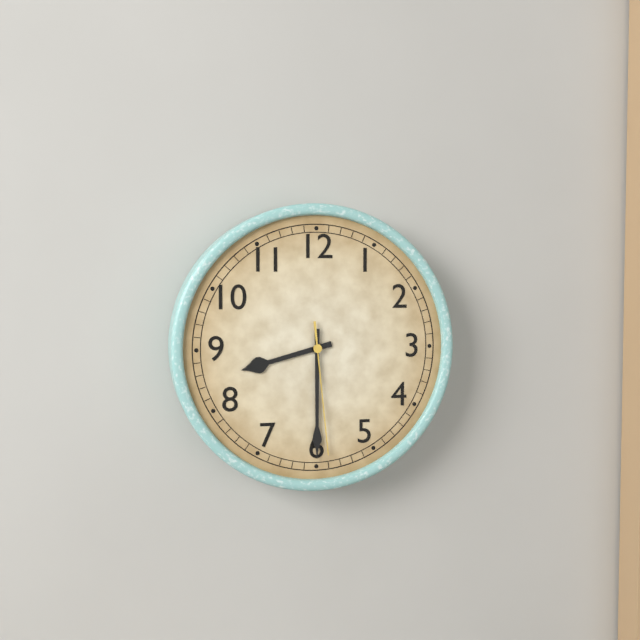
8:30:29
